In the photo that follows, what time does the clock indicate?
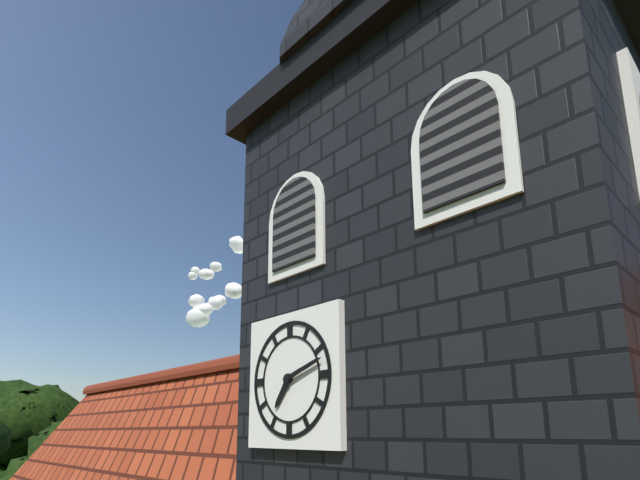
7:12
